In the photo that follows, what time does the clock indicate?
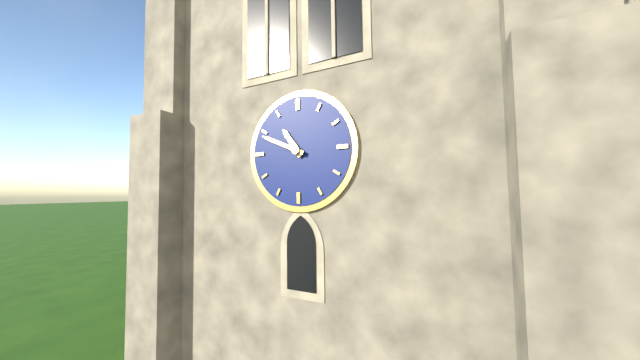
10:49
